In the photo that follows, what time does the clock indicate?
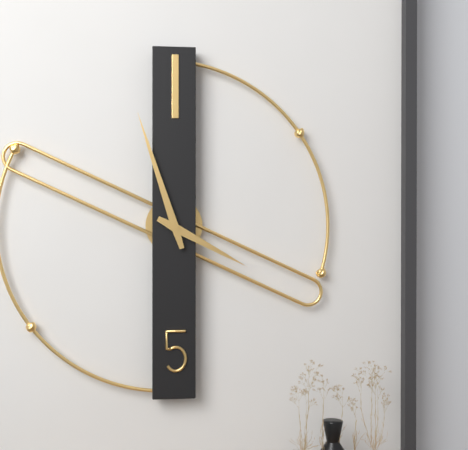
3:57
